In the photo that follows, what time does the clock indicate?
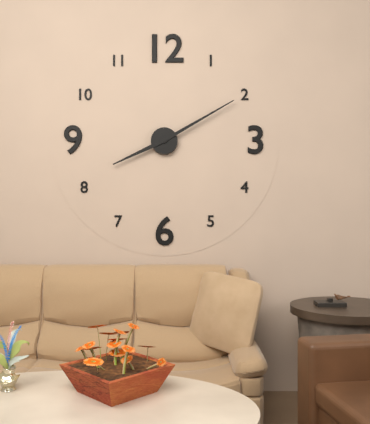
8:10
